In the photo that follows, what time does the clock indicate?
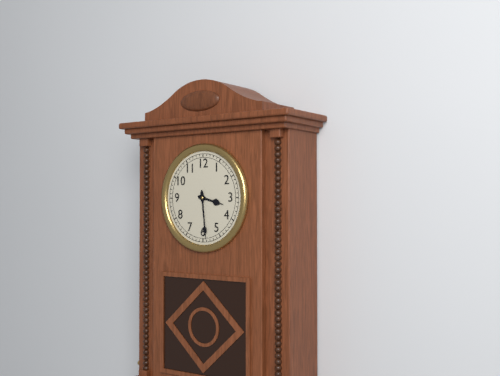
3:29
